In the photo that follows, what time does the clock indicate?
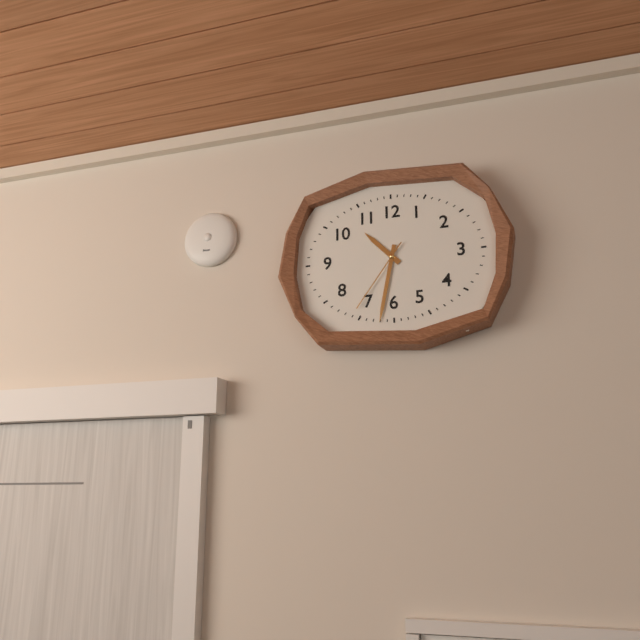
10:32:36
